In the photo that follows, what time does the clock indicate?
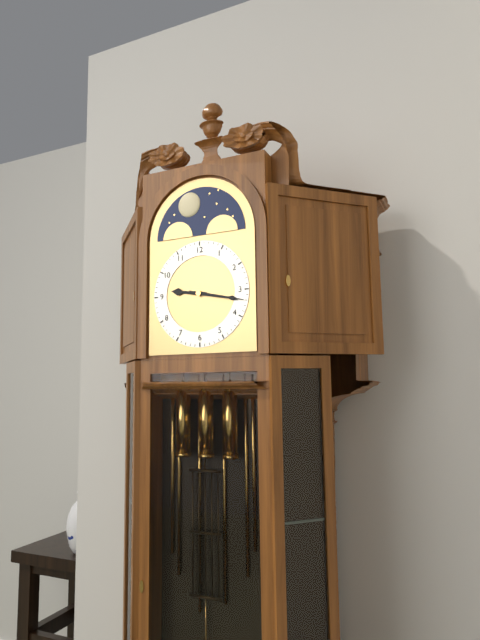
9:17
